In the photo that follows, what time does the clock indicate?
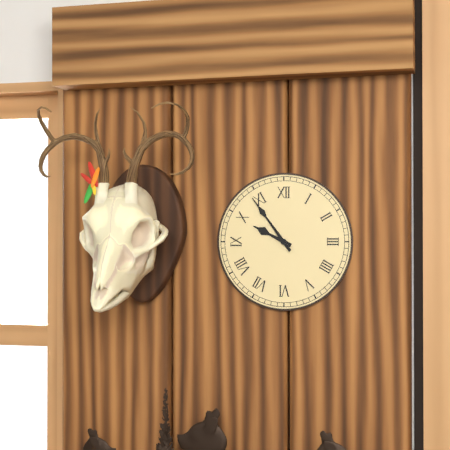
9:54
